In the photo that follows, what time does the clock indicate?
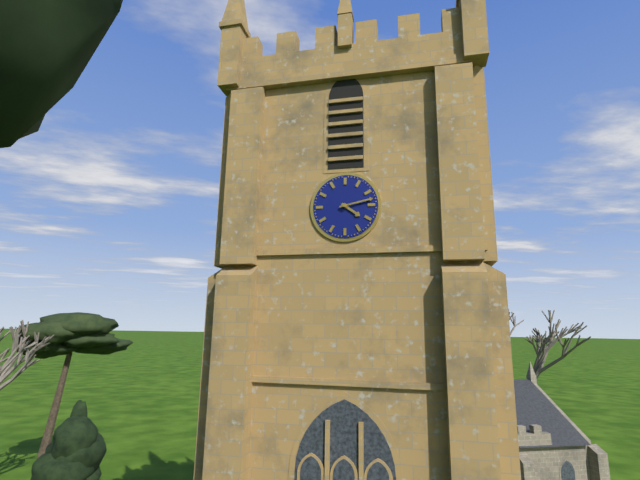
4:13
